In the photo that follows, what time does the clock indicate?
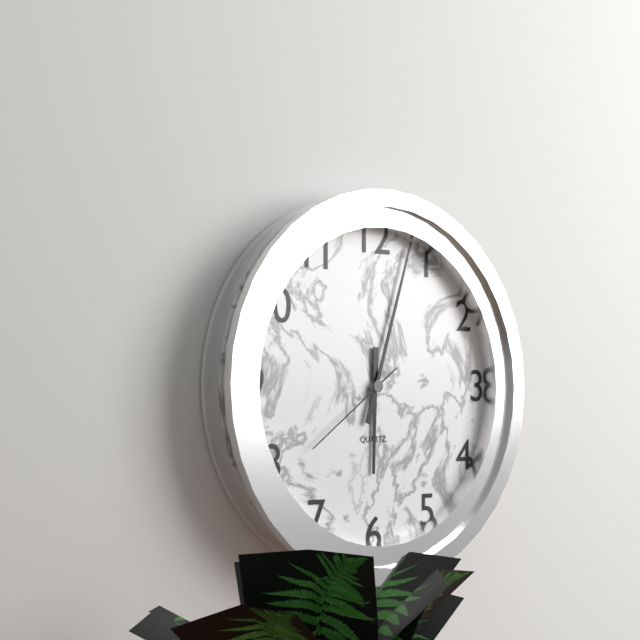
6:03:39
